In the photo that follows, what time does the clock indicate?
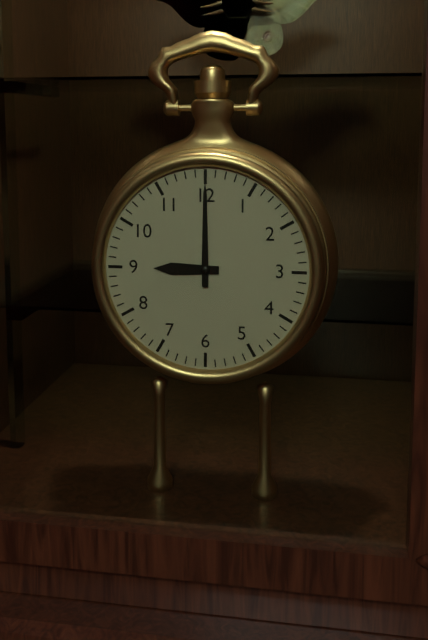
9:00
